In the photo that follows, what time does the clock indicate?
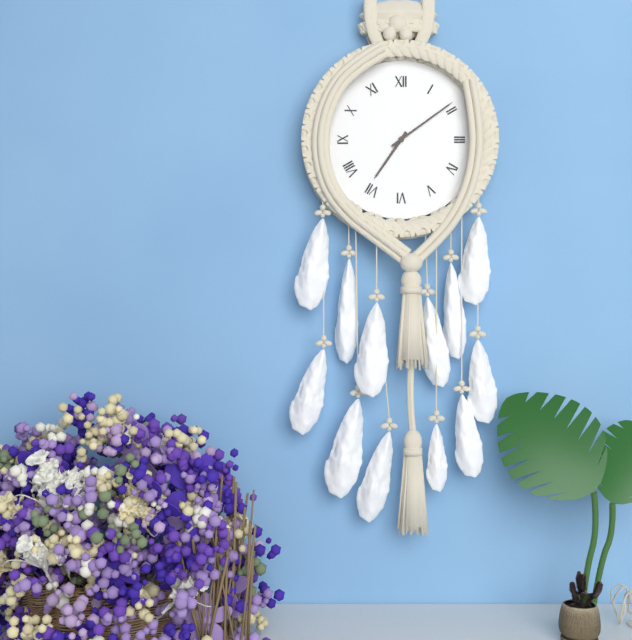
7:09
